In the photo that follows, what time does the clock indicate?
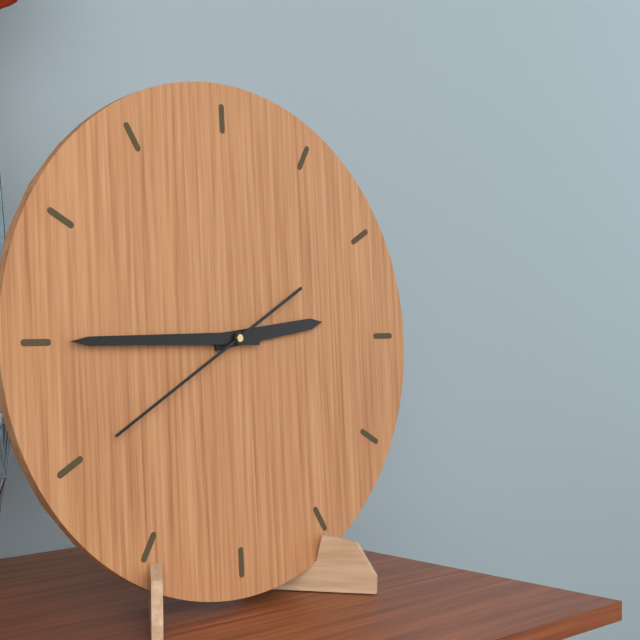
2:45:40
